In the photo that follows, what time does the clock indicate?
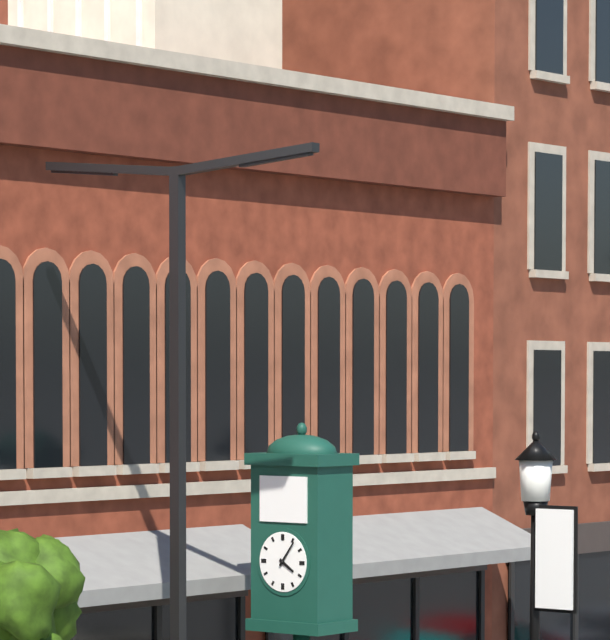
4:06
